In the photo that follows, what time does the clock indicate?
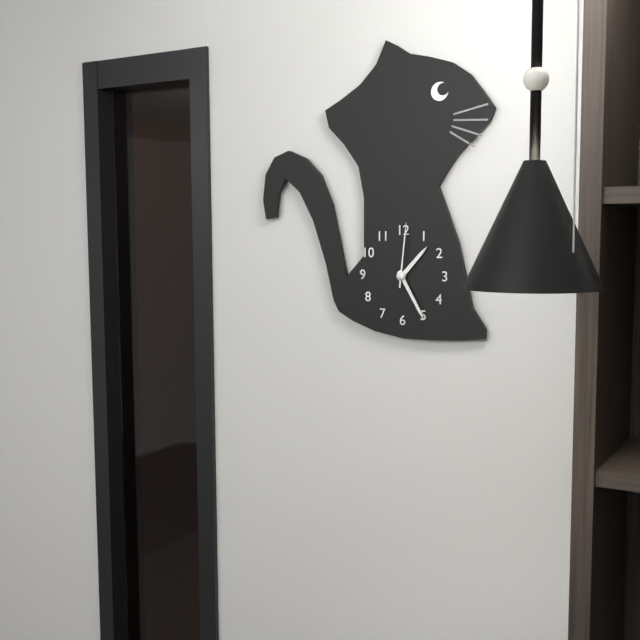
1:25:01
